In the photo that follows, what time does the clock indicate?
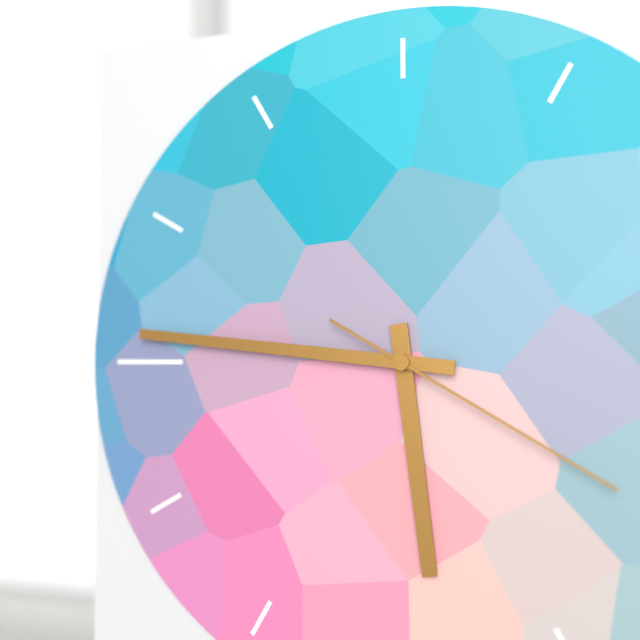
5:46:20
